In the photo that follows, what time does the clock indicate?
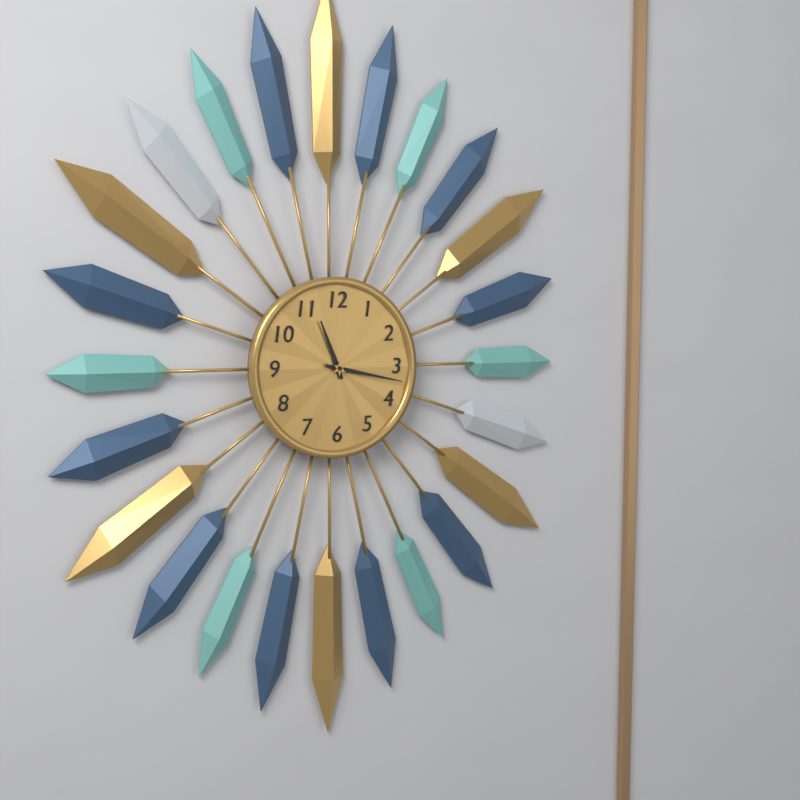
11:17
